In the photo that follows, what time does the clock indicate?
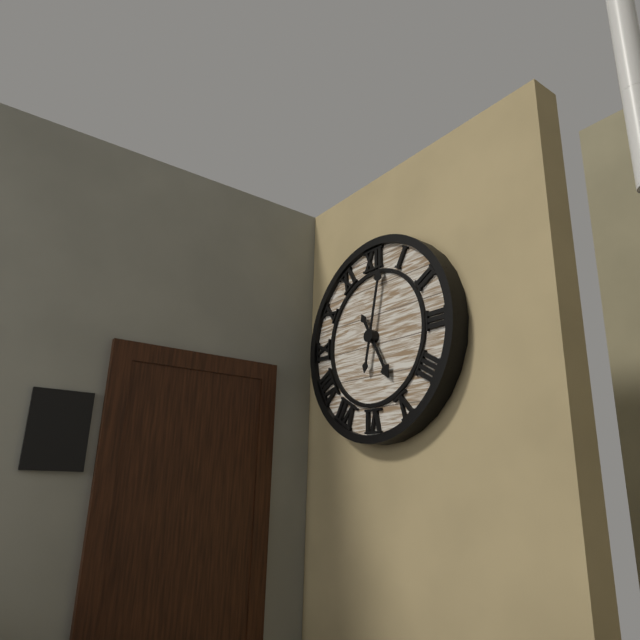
5:02
